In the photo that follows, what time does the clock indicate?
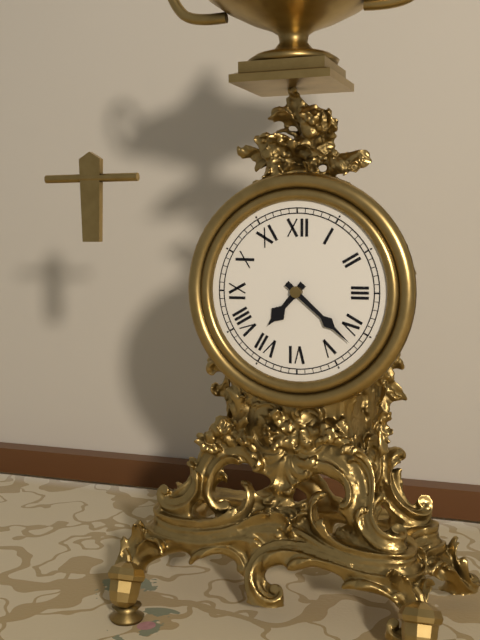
7:22
